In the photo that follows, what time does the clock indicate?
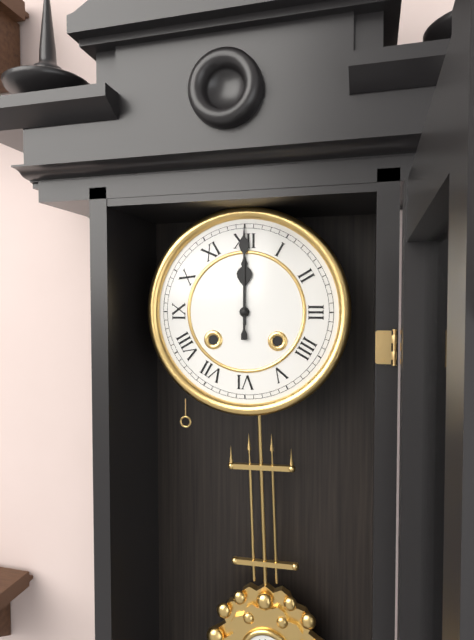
12:00
